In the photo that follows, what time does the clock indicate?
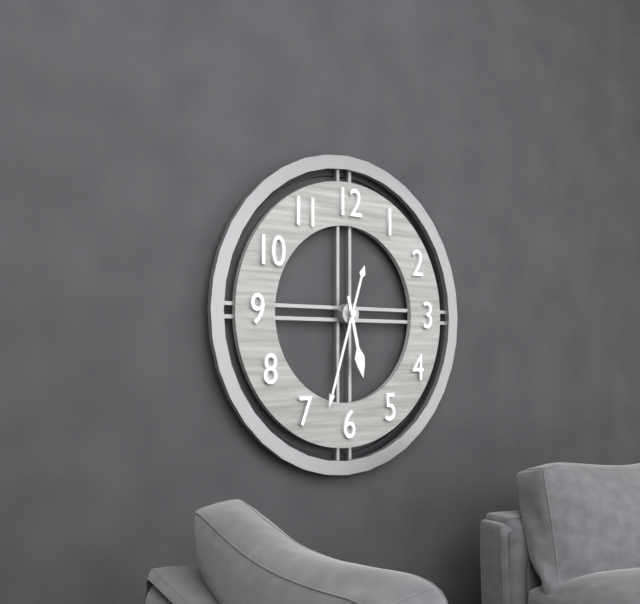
5:33
